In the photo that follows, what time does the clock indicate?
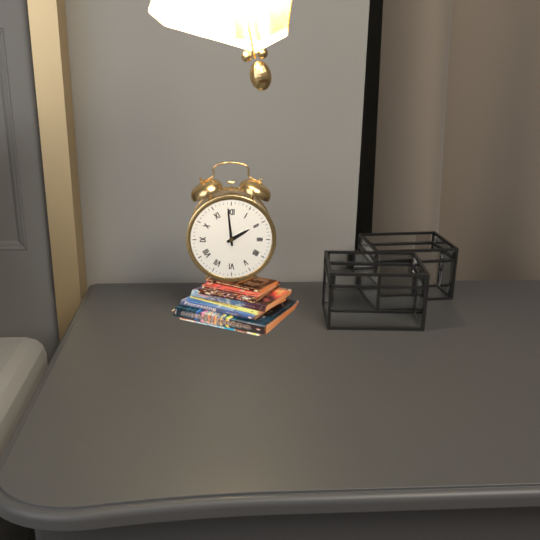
1:59
